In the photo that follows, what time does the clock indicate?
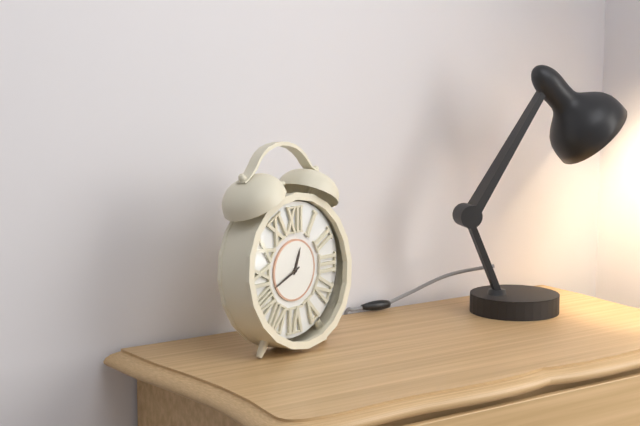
12:41
